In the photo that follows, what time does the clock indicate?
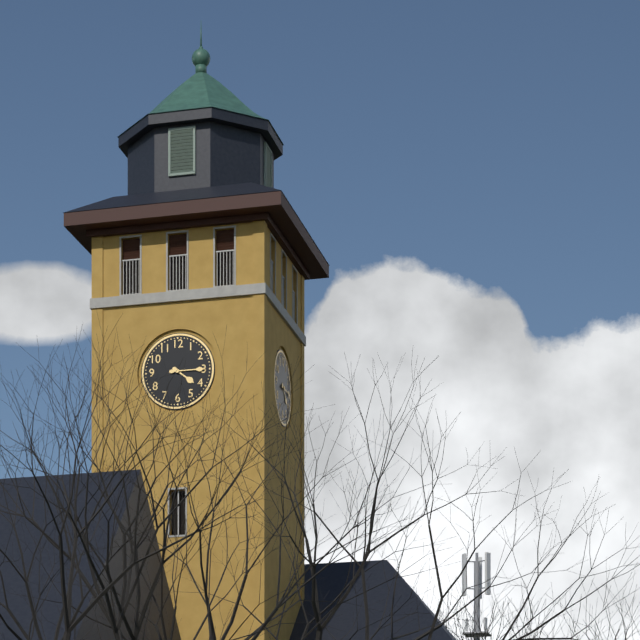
4:15
